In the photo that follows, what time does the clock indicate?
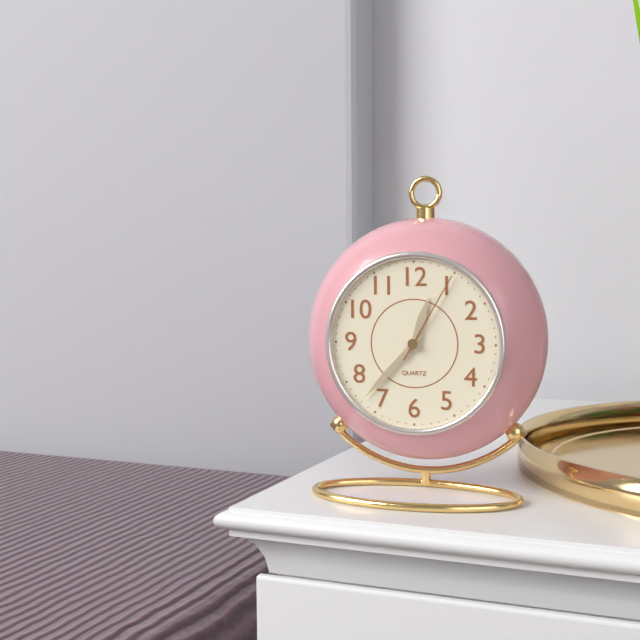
12:37:05
